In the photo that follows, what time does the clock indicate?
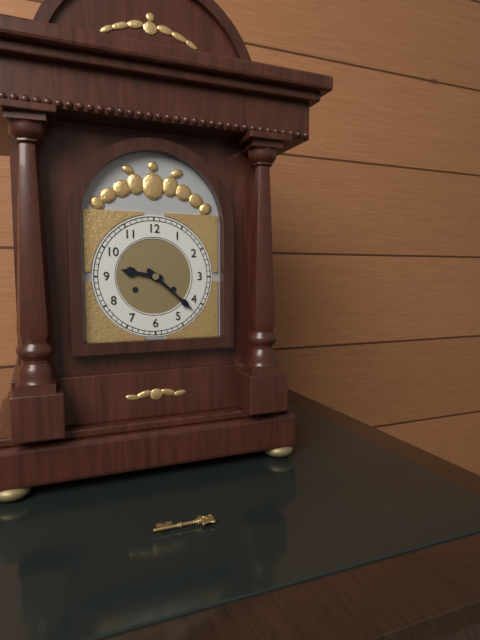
9:22
